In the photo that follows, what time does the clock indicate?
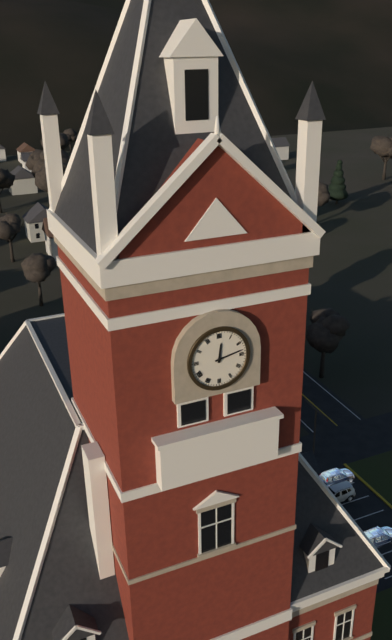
12:13
